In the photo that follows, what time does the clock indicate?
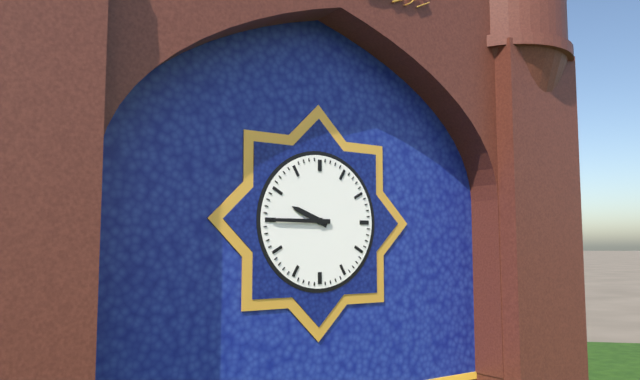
9:45
